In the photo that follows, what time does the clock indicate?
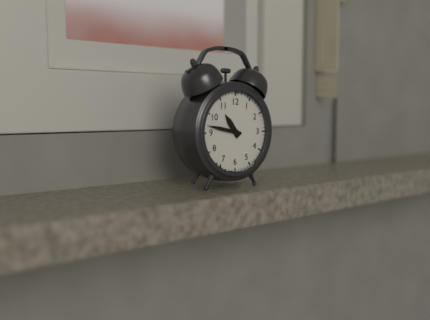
10:47
